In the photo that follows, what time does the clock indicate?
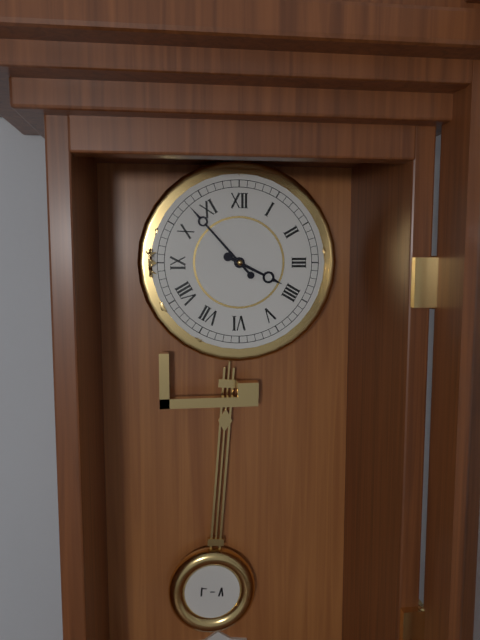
3:53
